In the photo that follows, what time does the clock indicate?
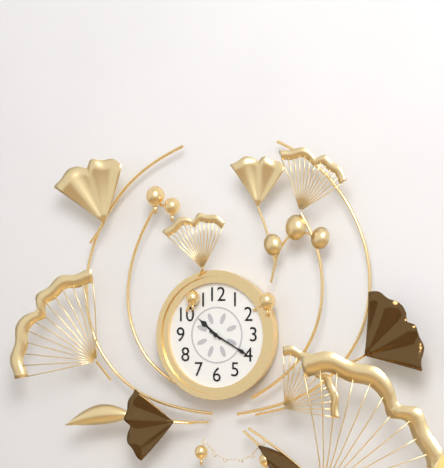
10:20
